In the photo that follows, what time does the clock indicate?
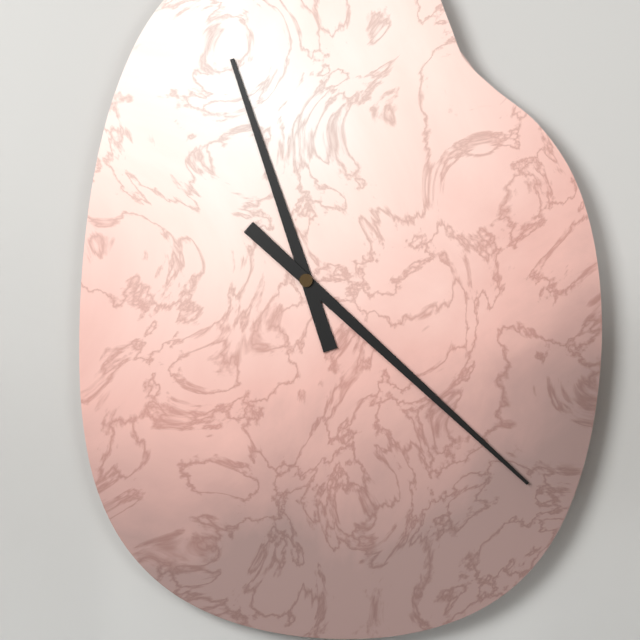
11:22
